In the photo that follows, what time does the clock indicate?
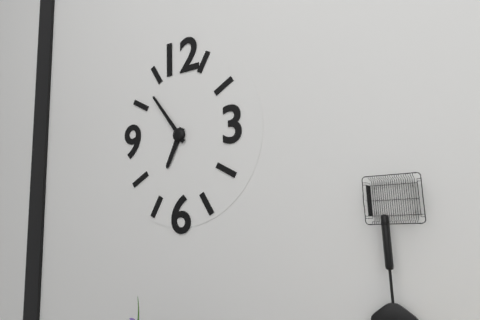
6:54
